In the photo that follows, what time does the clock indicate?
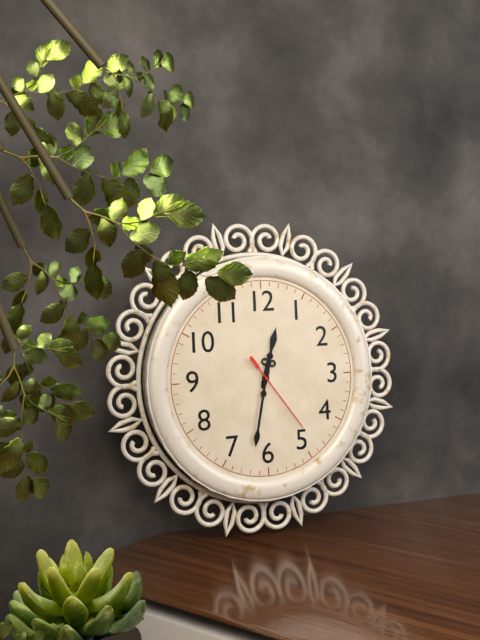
12:32:24
